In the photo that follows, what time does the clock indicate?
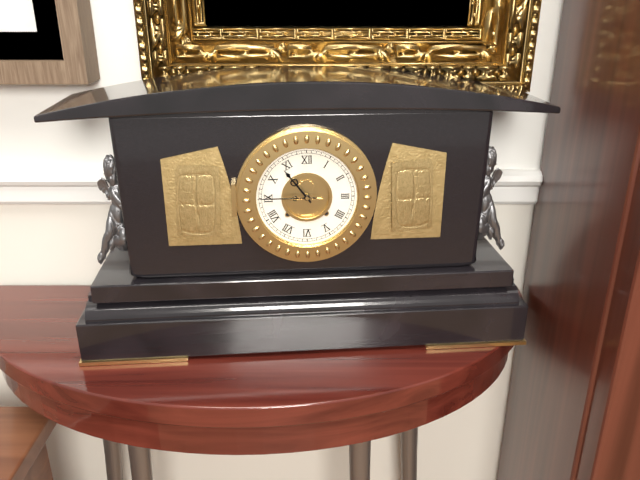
10:45
